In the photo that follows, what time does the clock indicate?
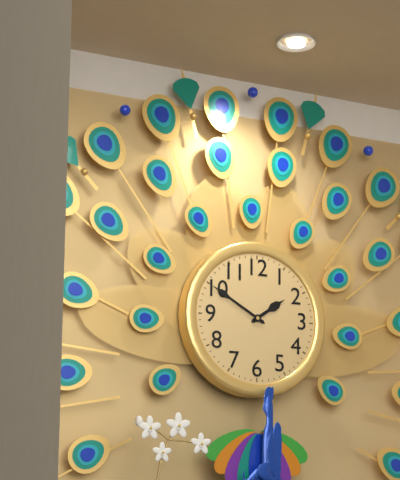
1:50
